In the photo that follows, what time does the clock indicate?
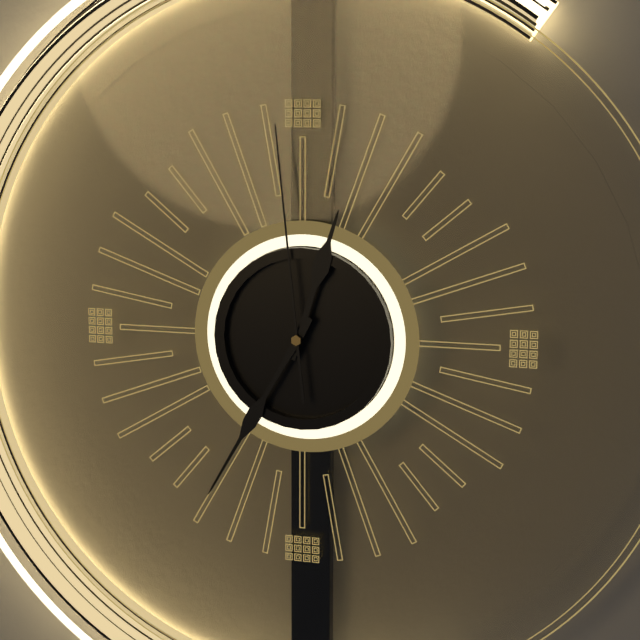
12:35:59
